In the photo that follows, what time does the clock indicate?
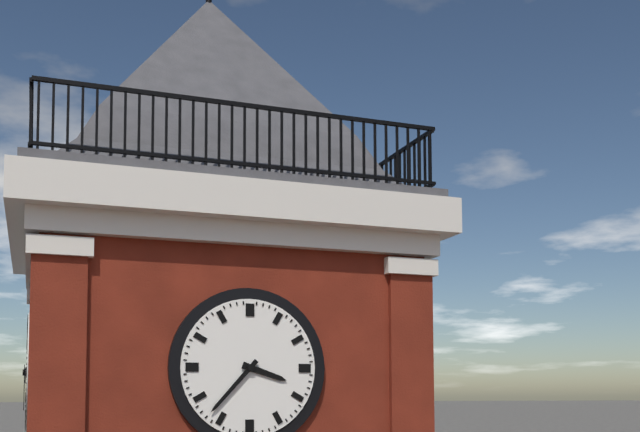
3:37
